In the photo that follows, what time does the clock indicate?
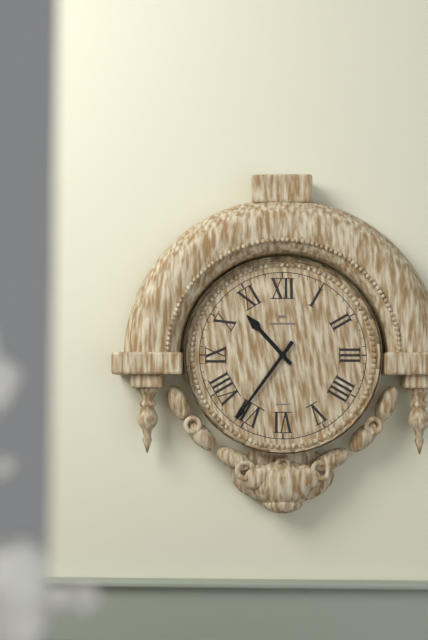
10:36
